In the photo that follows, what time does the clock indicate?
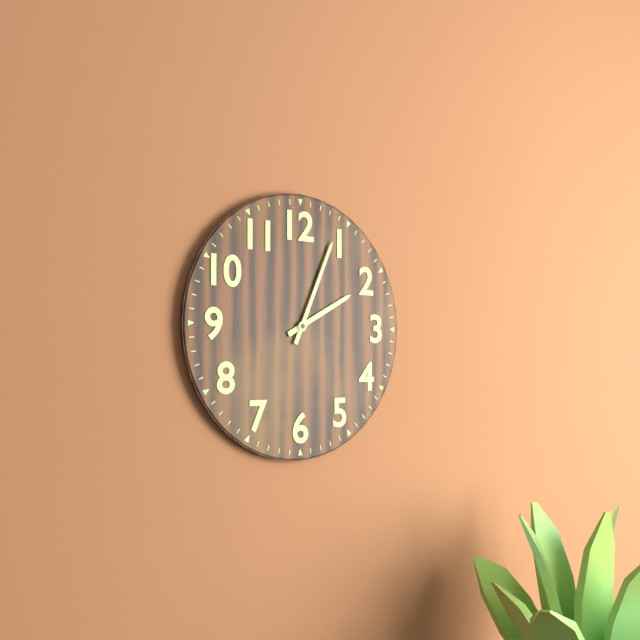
2:04
